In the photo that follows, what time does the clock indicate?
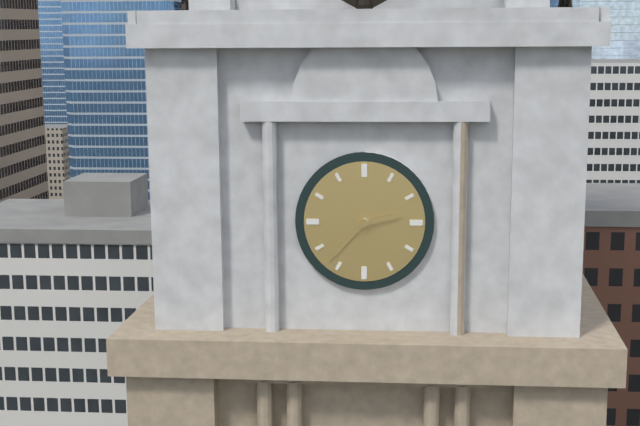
2:37
